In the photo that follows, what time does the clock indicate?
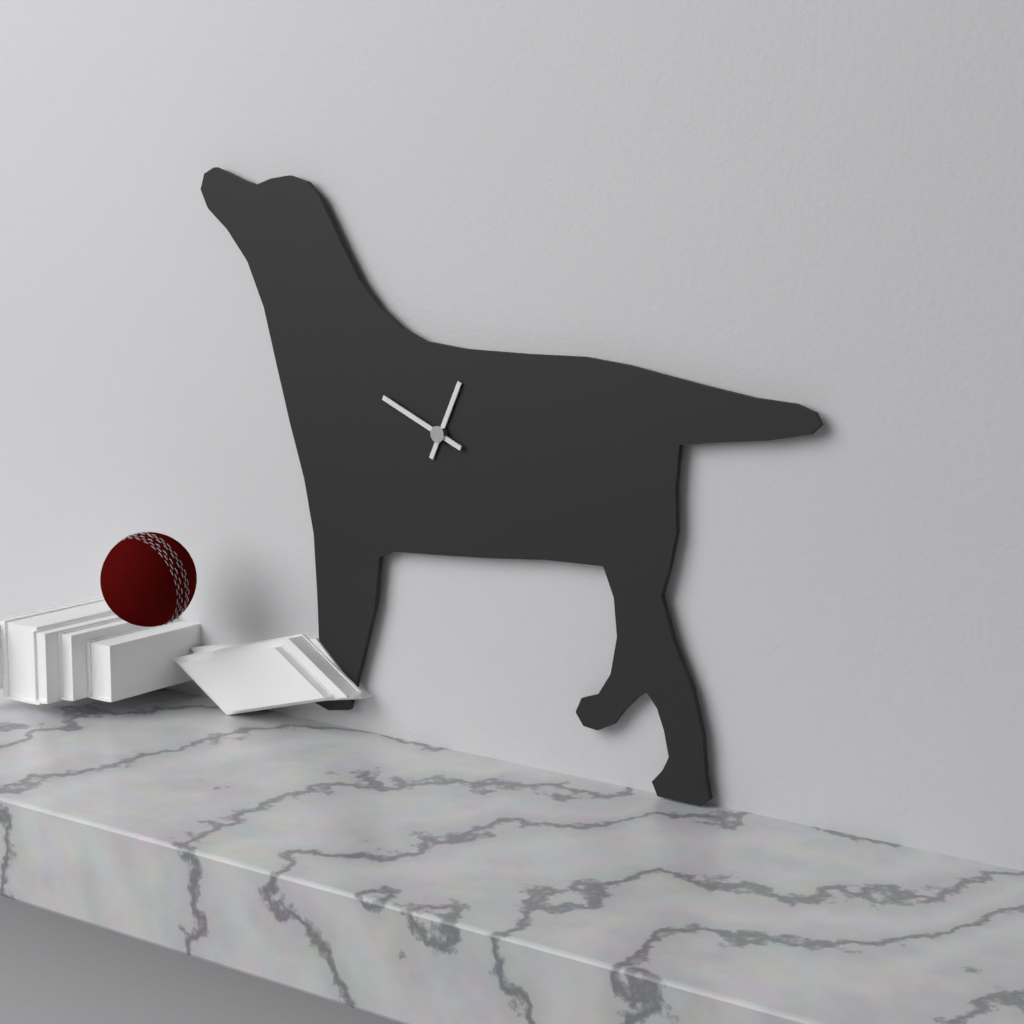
12:49
